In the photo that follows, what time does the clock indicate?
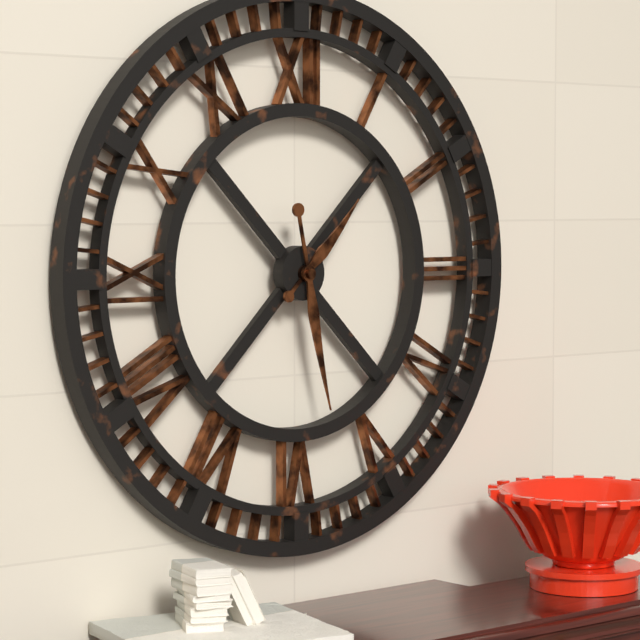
1:28
